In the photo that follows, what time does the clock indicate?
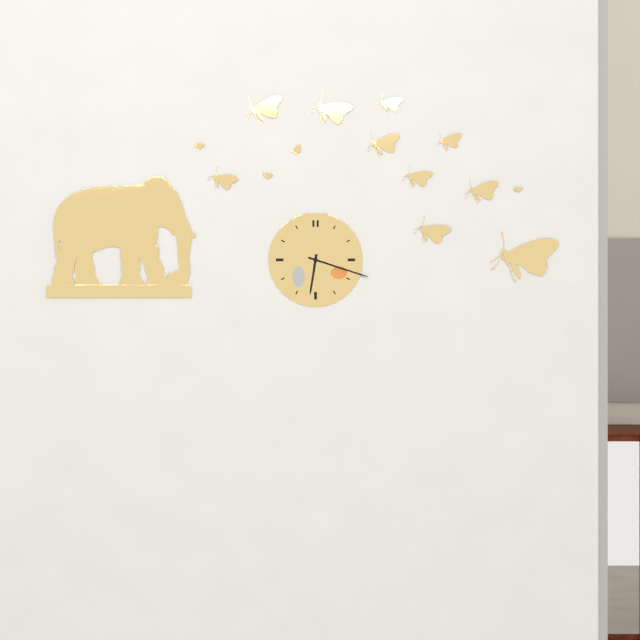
6:18
